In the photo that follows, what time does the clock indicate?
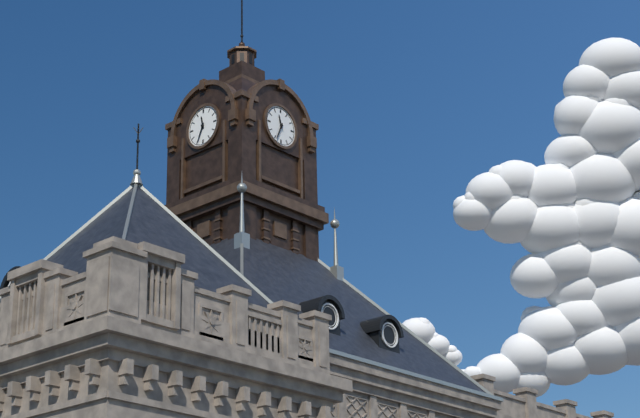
11:34
